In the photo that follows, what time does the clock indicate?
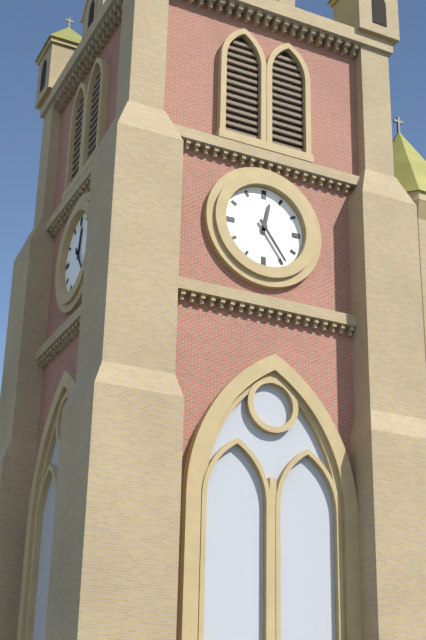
12:24
